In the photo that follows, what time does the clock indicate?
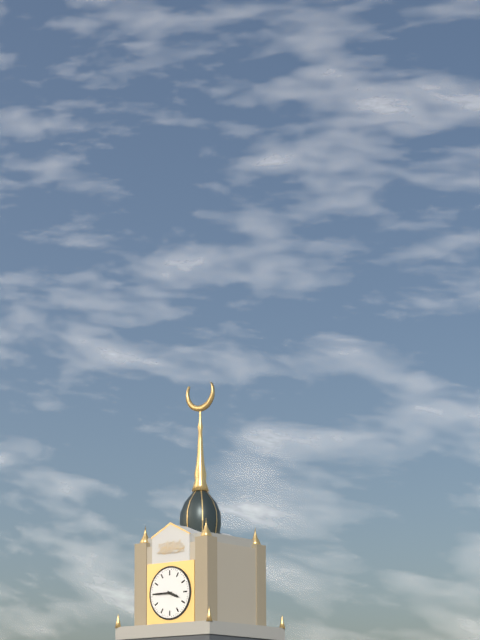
3:45
